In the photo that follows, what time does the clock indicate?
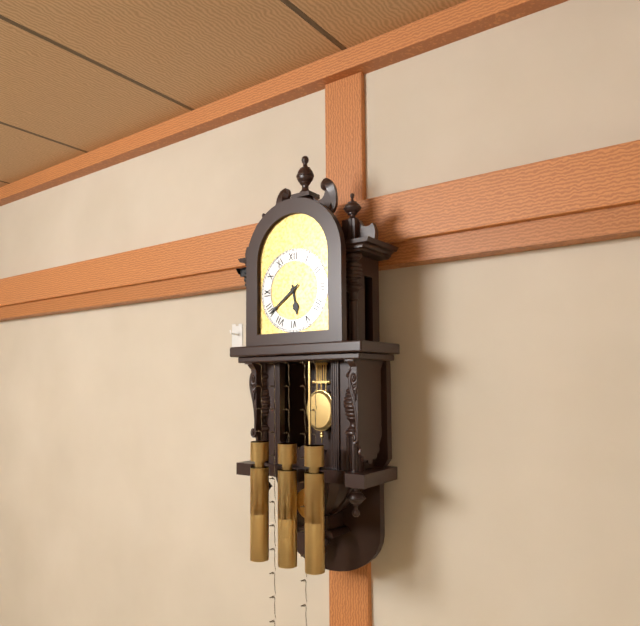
5:39
